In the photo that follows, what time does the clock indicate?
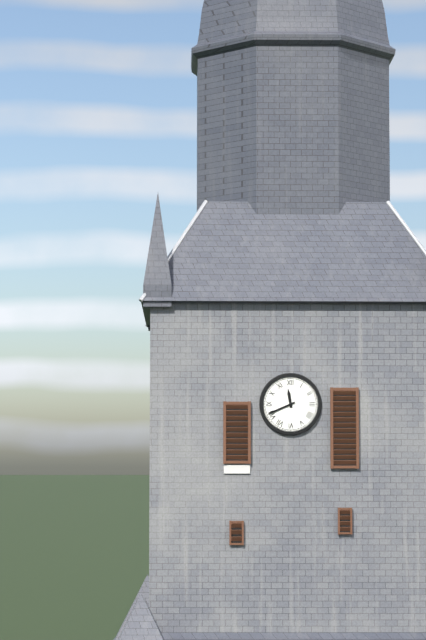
11:41
